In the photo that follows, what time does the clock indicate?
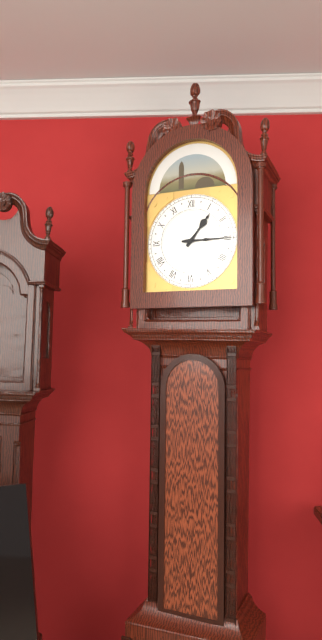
1:15
